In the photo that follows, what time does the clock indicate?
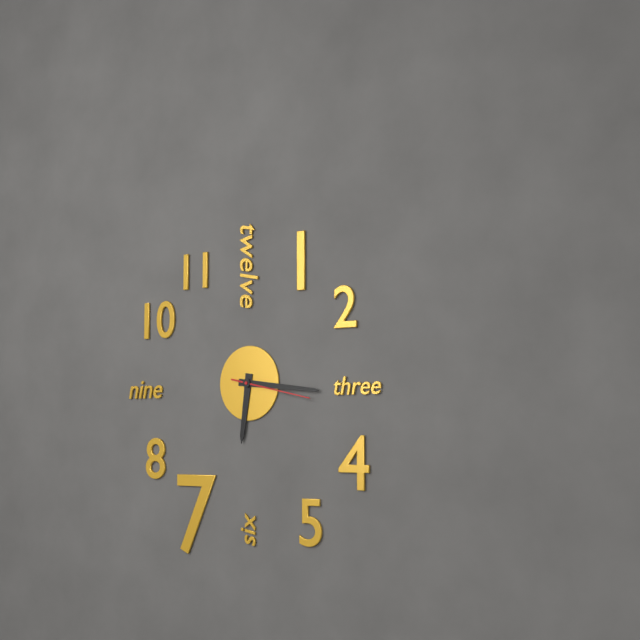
6:16:17
